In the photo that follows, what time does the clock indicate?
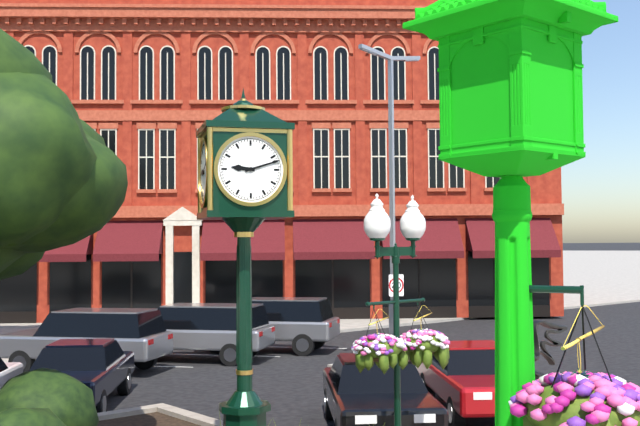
9:12
